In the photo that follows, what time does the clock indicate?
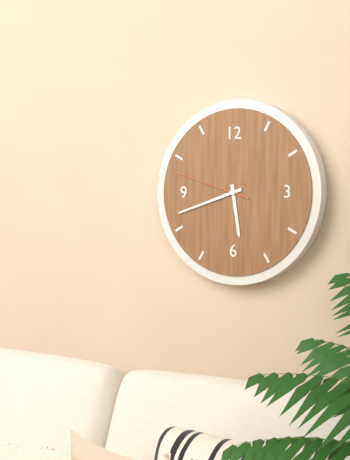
5:42:48
